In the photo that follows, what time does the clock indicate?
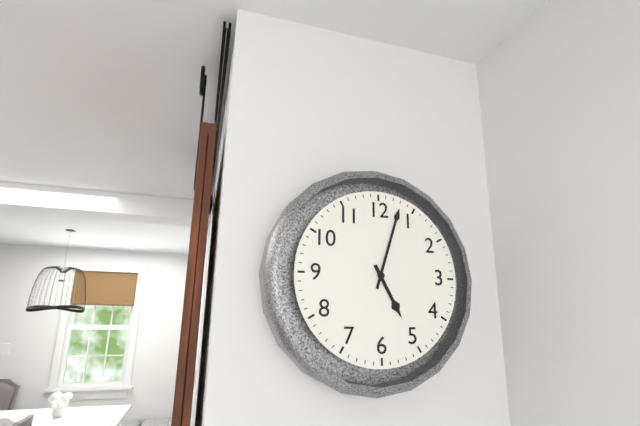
5:03
